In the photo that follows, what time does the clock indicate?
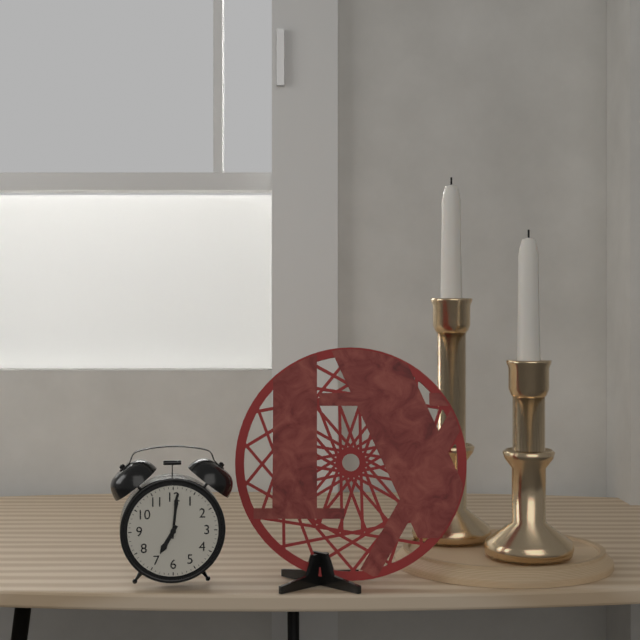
7:01
